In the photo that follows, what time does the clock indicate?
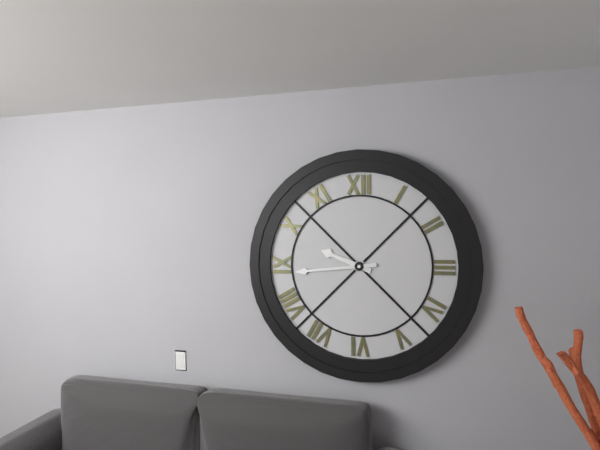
9:44
